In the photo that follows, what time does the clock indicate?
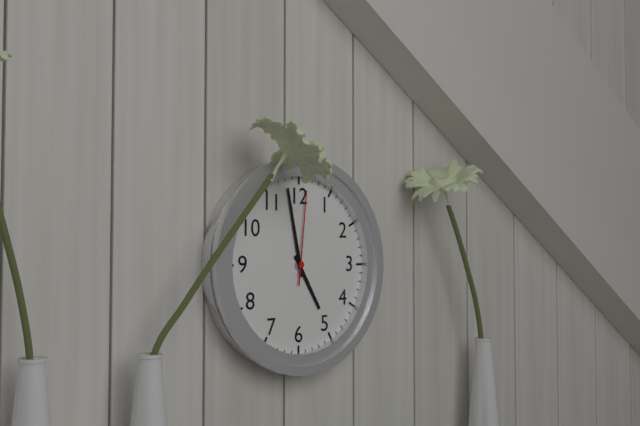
4:58:01
